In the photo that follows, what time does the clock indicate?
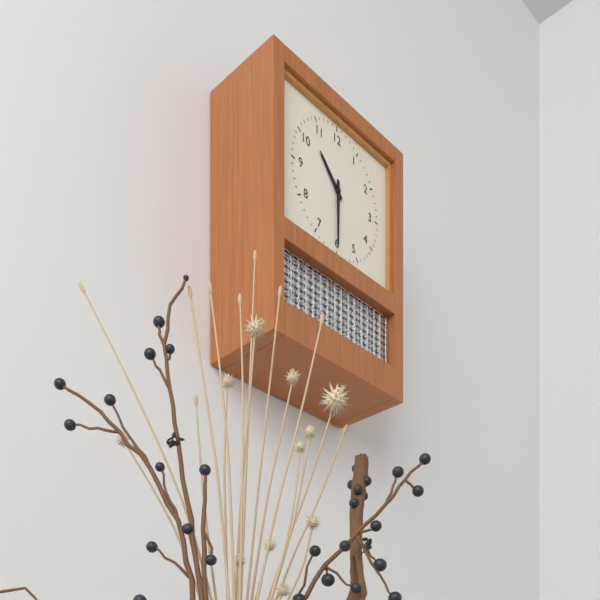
10:30
